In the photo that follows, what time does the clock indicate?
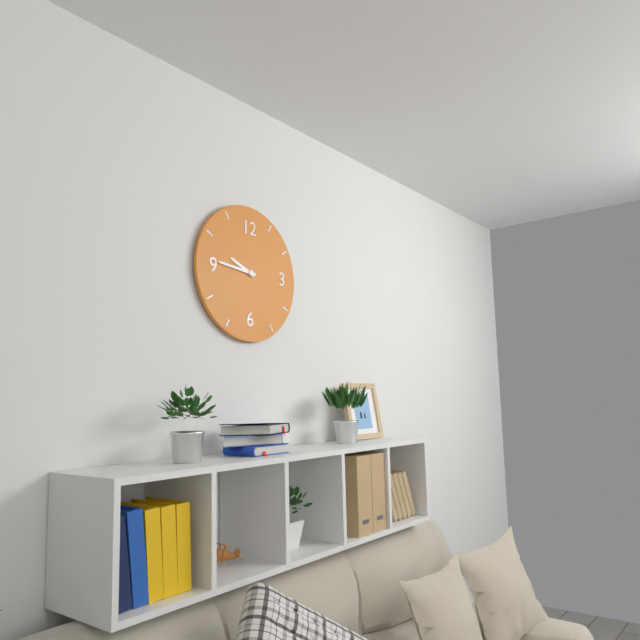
9:46
